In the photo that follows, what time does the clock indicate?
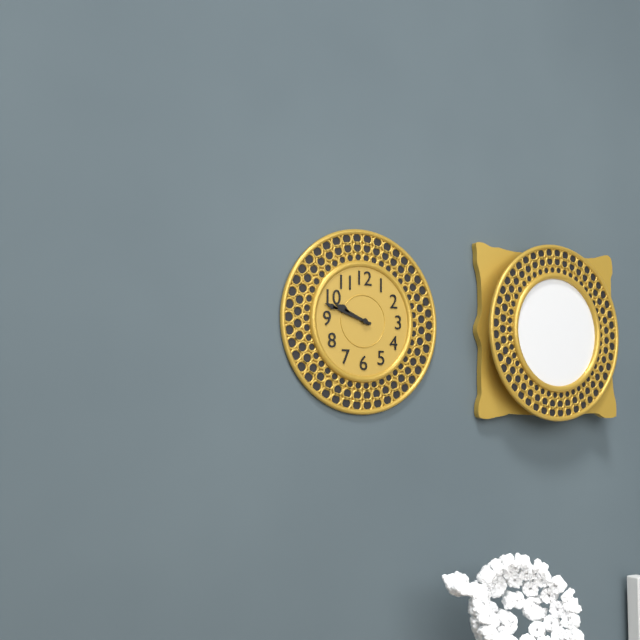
9:48
